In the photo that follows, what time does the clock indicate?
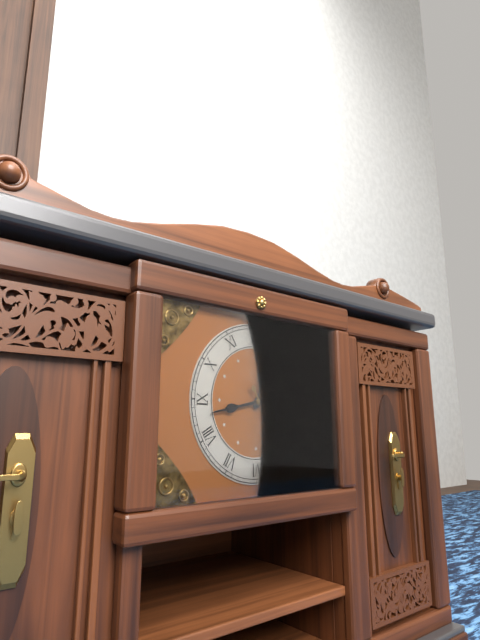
12:43:25
